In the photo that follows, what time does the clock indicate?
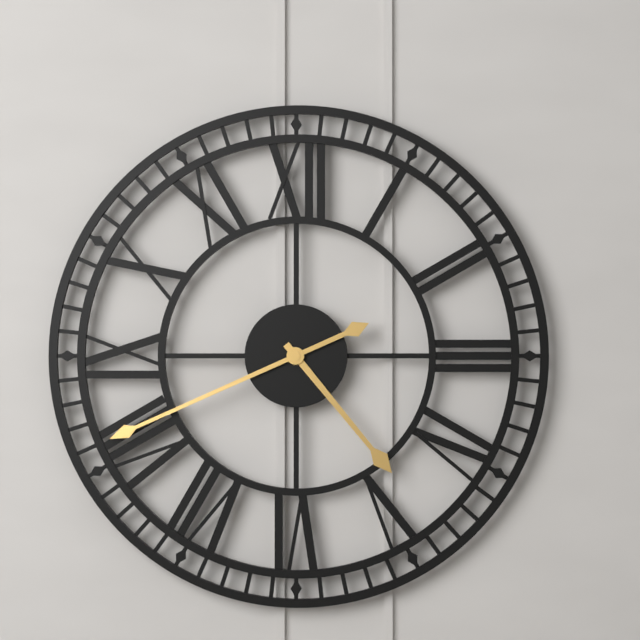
4:41
